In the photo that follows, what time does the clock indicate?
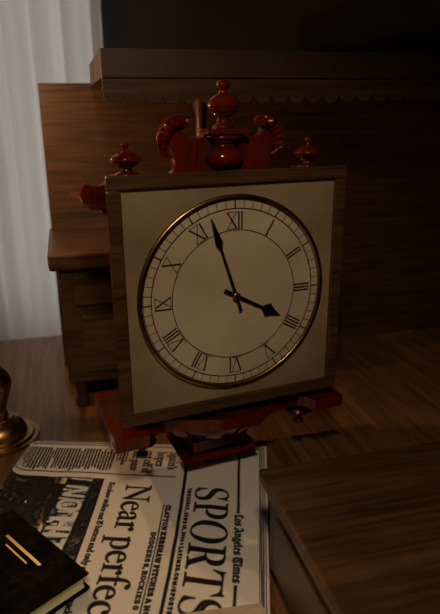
3:57
